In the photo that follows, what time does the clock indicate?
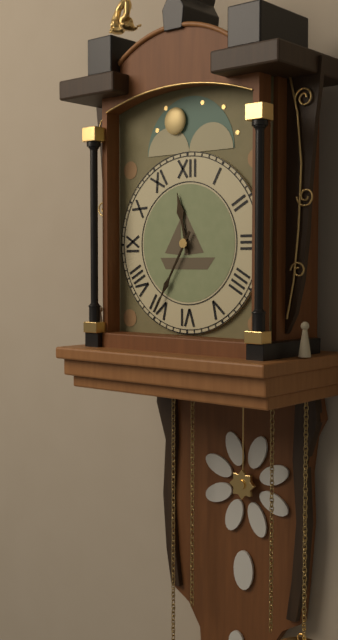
11:35
